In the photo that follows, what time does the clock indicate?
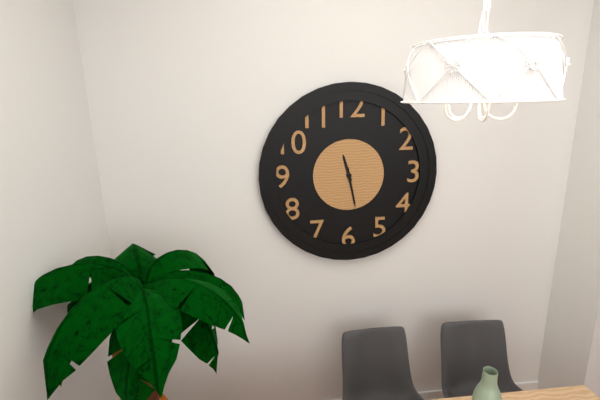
11:28
